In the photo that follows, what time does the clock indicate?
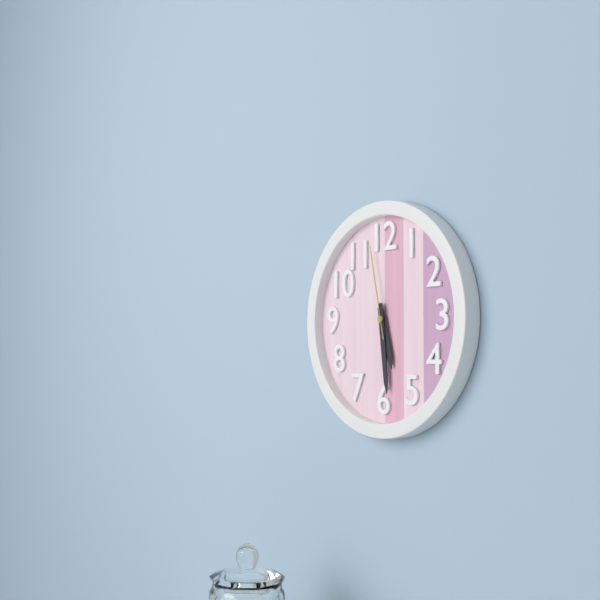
5:29:58
